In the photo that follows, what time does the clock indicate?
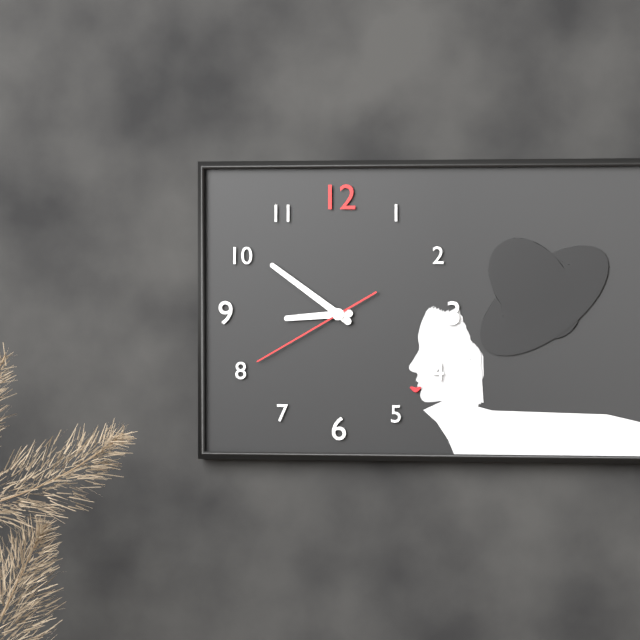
8:51:40
